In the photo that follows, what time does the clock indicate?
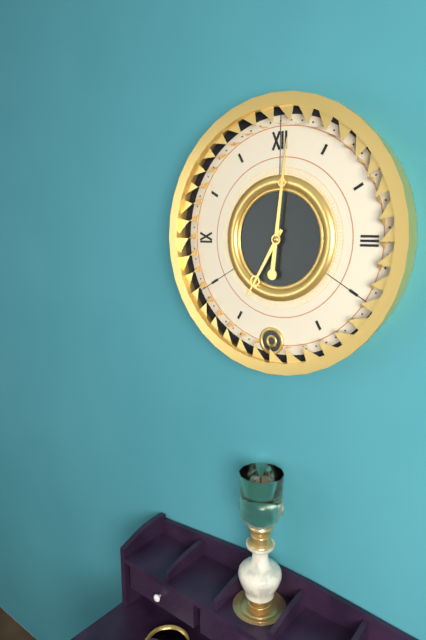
7:01
